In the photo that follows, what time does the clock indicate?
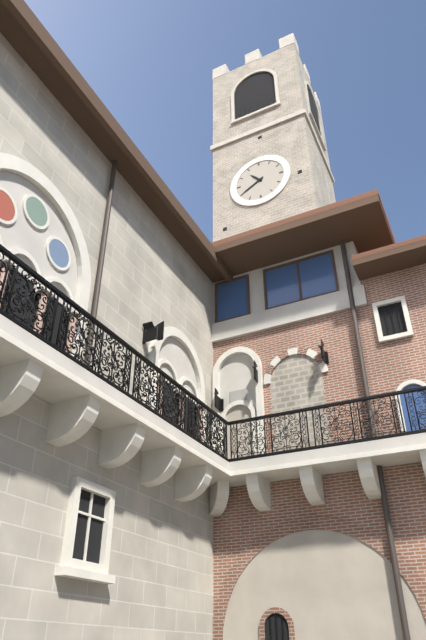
10:40
